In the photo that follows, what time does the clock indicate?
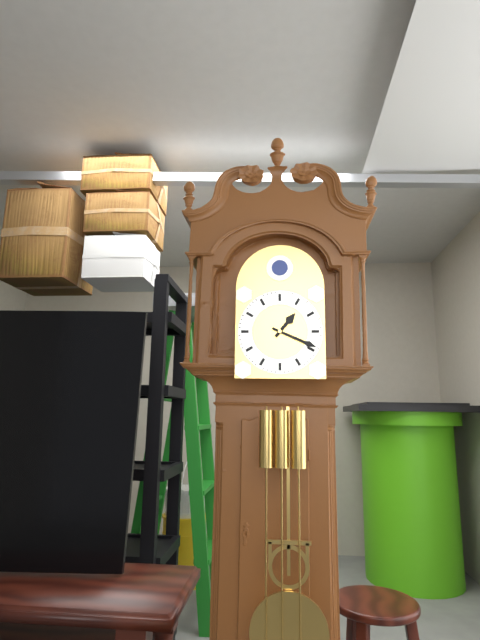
1:19
